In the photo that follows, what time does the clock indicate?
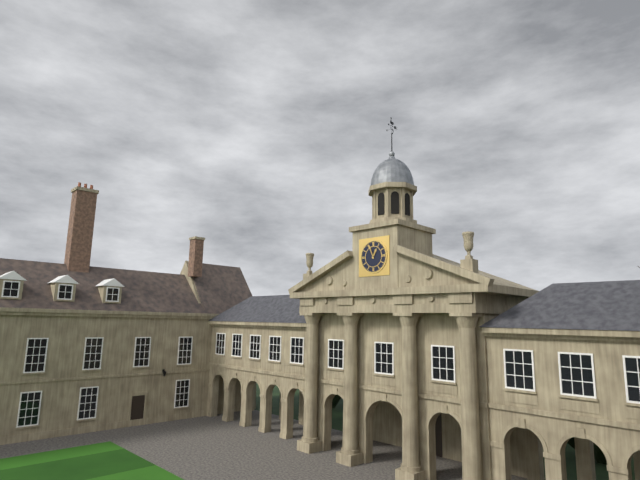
12:56
